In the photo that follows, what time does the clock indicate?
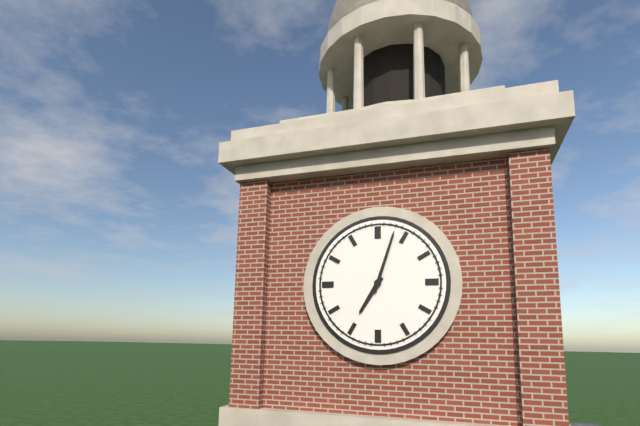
7:03
